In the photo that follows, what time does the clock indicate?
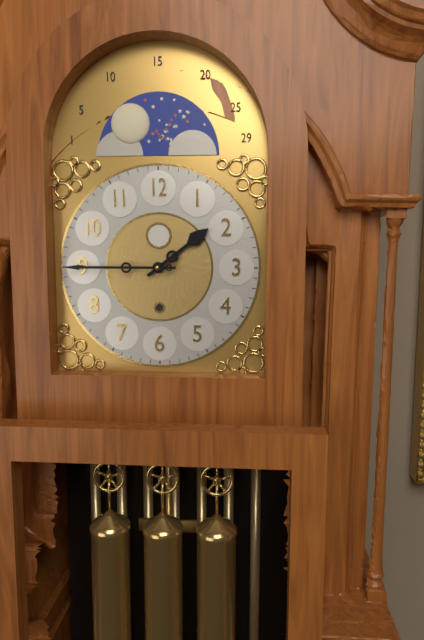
1:45
